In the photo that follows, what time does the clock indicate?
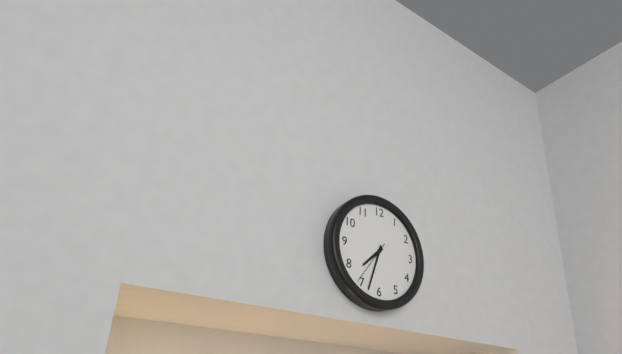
7:33
